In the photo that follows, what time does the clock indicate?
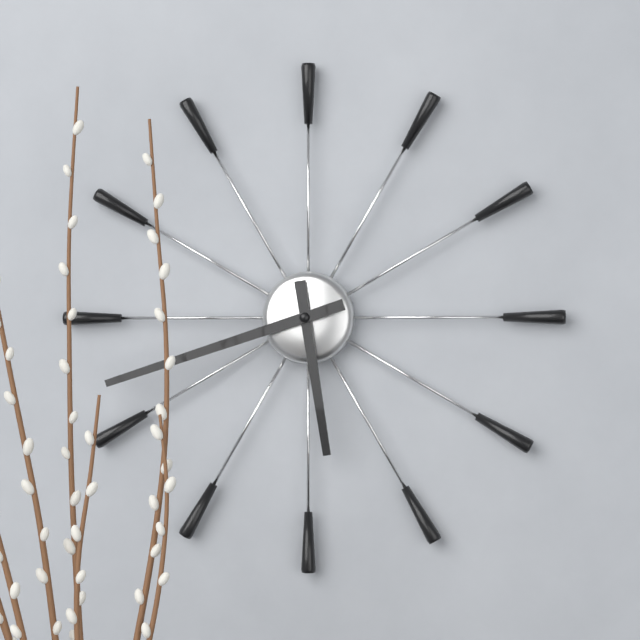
5:42
